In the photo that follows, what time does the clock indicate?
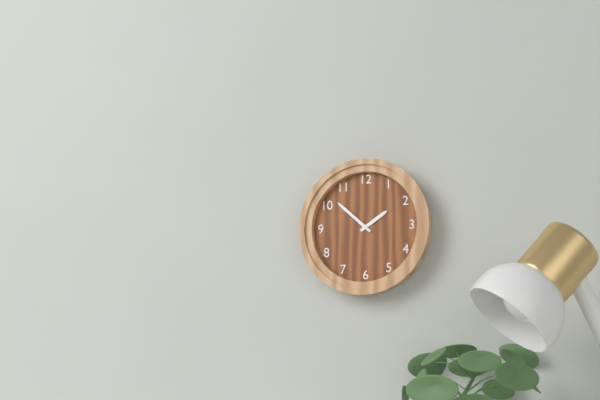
1:52
